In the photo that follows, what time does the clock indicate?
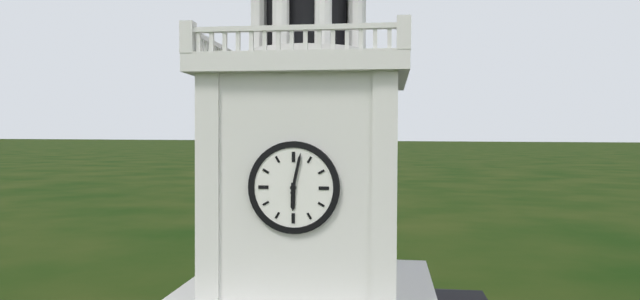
6:02
